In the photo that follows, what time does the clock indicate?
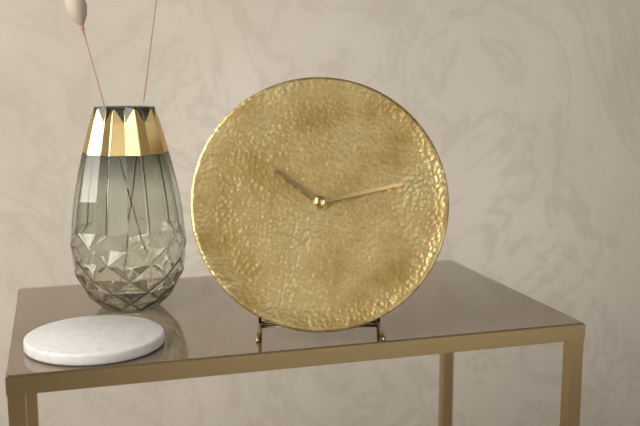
10:13
